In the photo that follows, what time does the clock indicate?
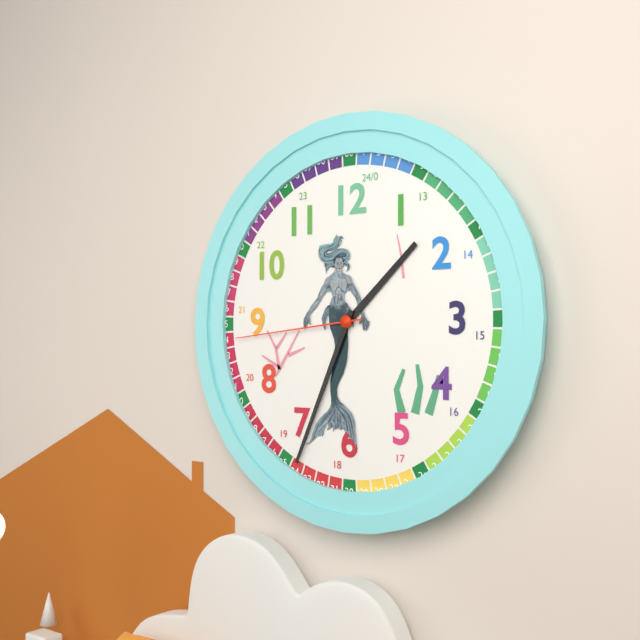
1:34:44
